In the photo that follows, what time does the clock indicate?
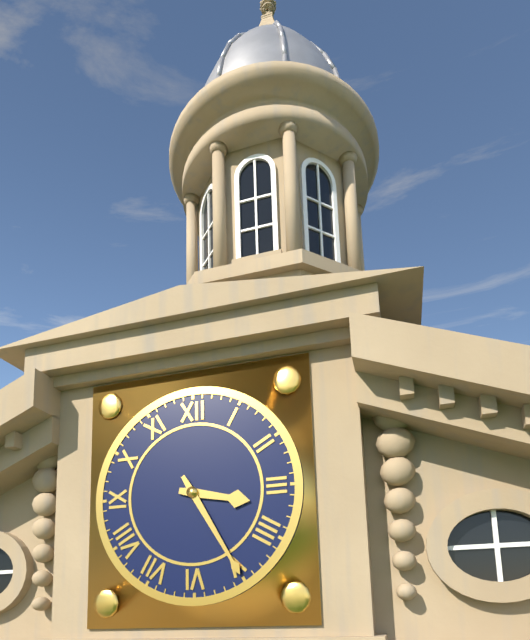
3:25
